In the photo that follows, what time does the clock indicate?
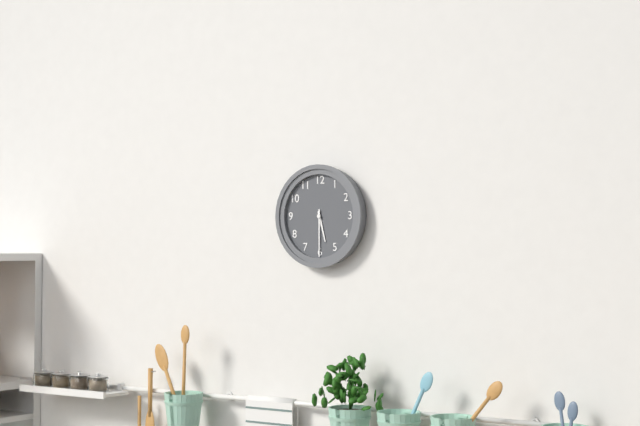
5:30
